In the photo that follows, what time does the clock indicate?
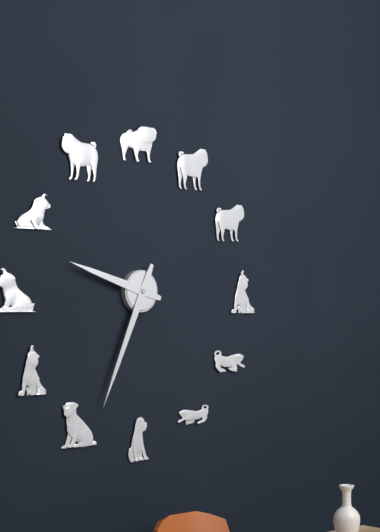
9:34
